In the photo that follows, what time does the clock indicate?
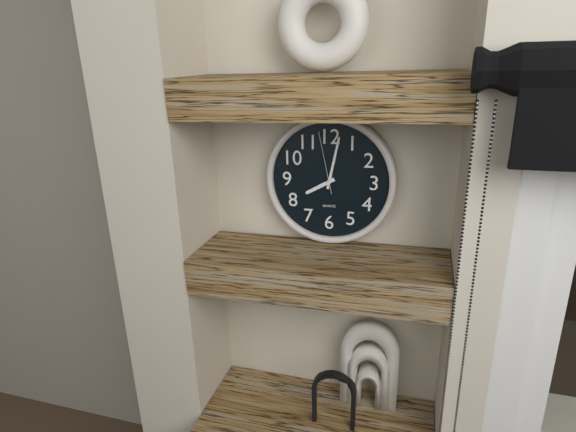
8:02:58
